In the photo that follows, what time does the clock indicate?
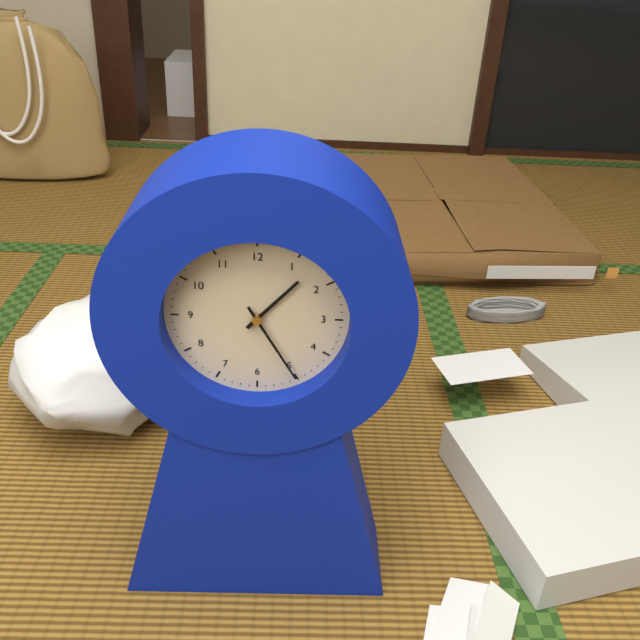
1:25
